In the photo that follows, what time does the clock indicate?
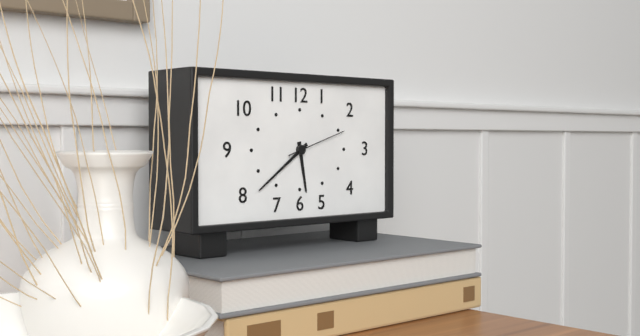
5:39:12
